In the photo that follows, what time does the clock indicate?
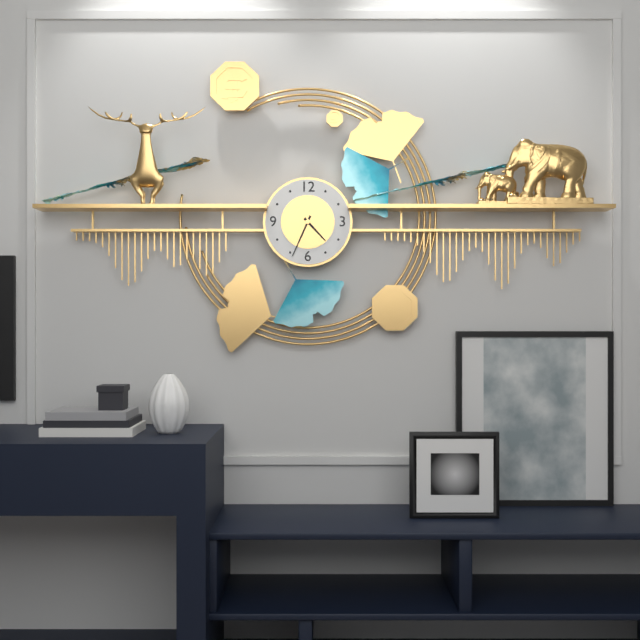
4:34
